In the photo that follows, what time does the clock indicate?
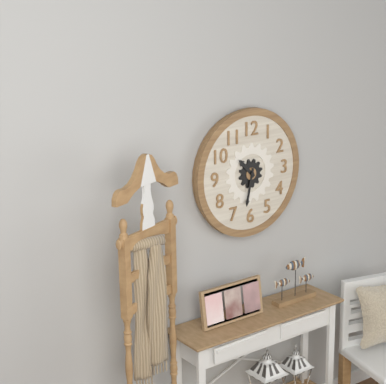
10:32
